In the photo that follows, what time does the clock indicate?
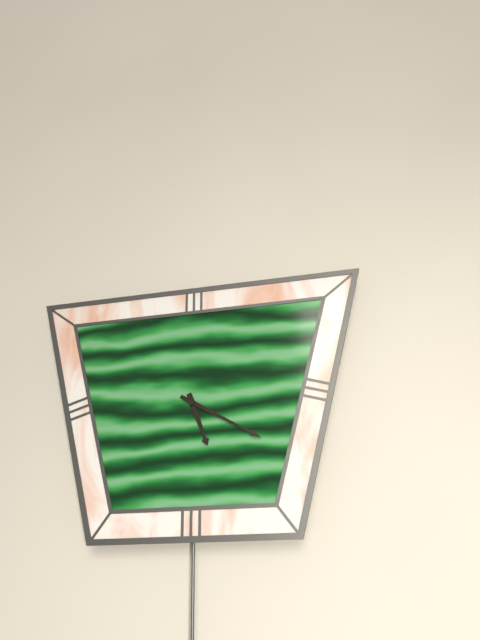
5:20
